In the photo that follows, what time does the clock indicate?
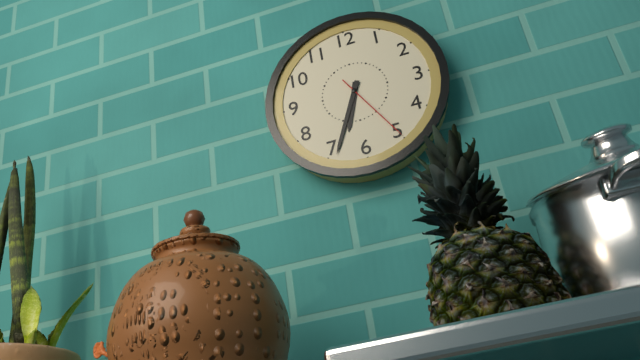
6:34:25
